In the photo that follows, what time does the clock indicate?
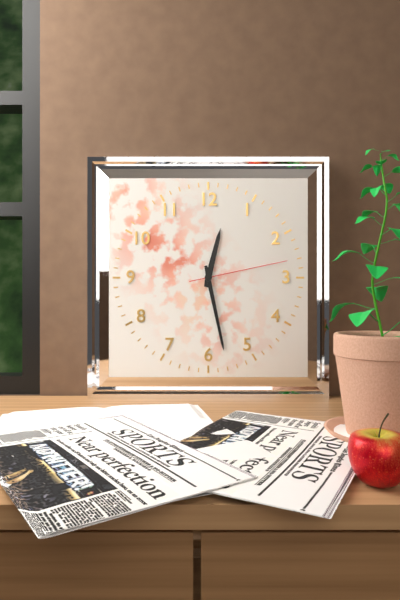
12:28:13
